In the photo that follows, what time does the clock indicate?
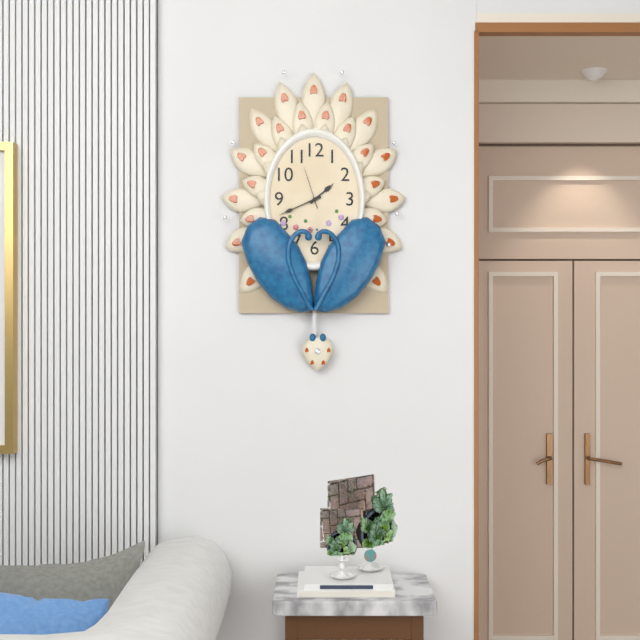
1:41
